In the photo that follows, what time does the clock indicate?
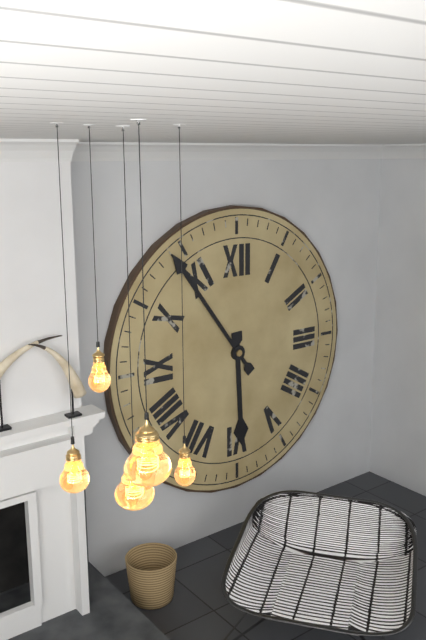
5:54
